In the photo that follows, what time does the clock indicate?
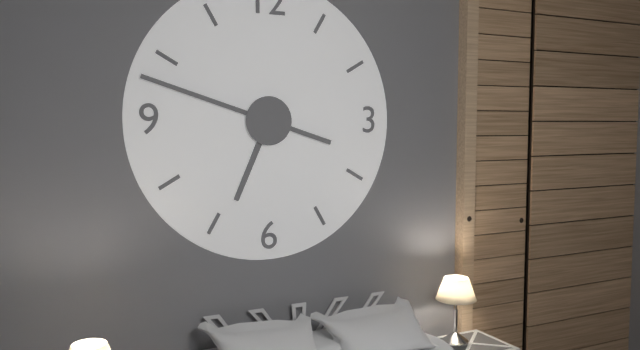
6:48
